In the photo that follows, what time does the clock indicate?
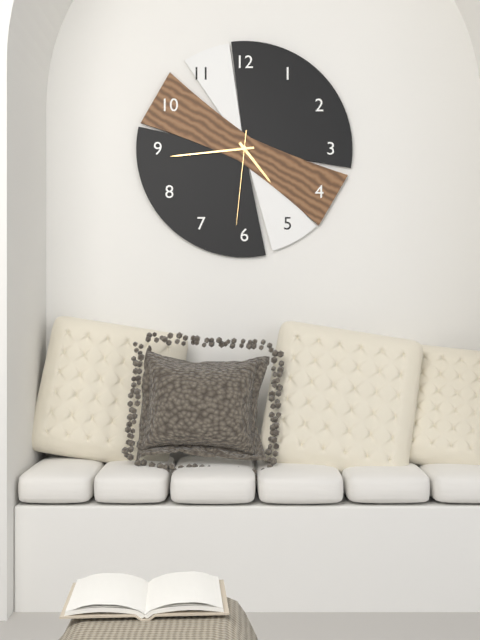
4:44:31
